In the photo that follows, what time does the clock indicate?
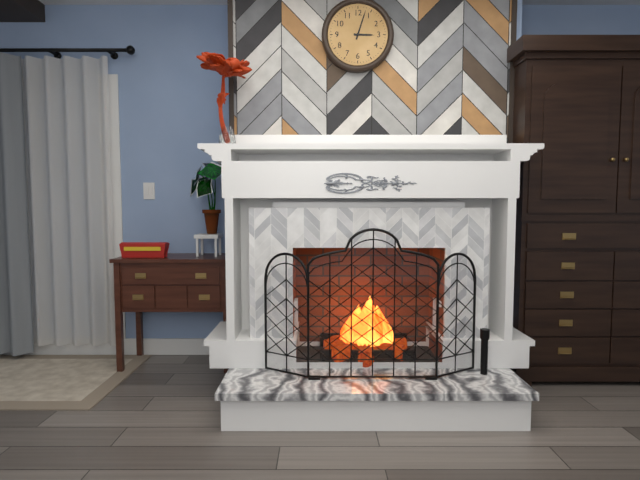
3:03
